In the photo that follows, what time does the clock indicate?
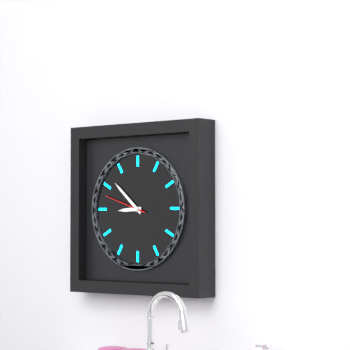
8:52
